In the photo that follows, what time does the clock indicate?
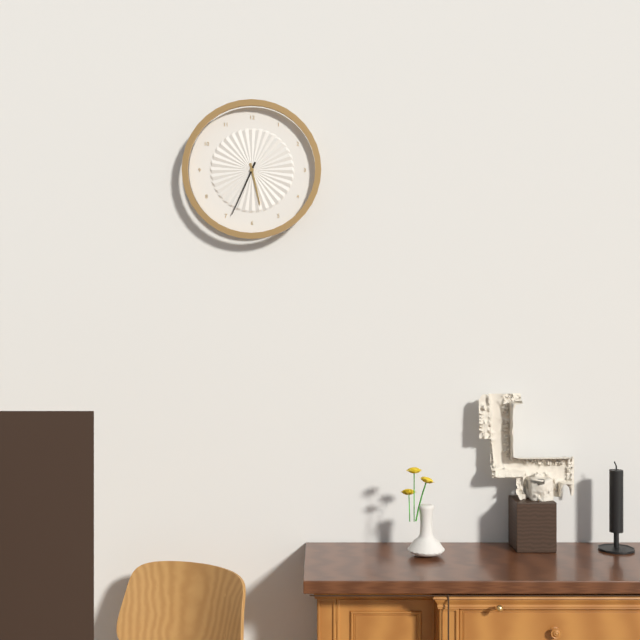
5:34
